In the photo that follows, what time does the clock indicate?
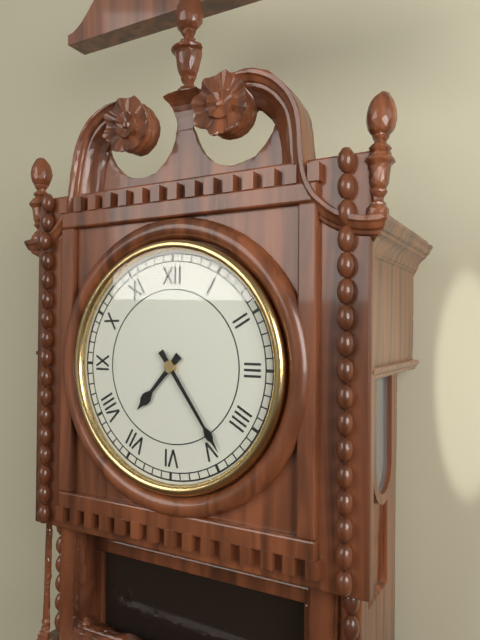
7:24
